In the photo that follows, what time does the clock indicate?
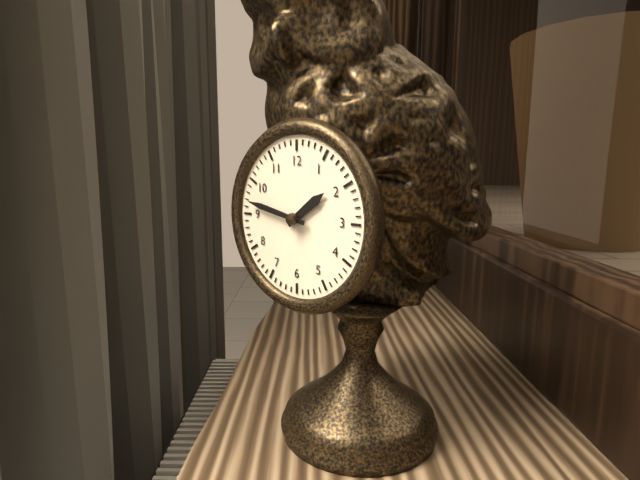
1:47
